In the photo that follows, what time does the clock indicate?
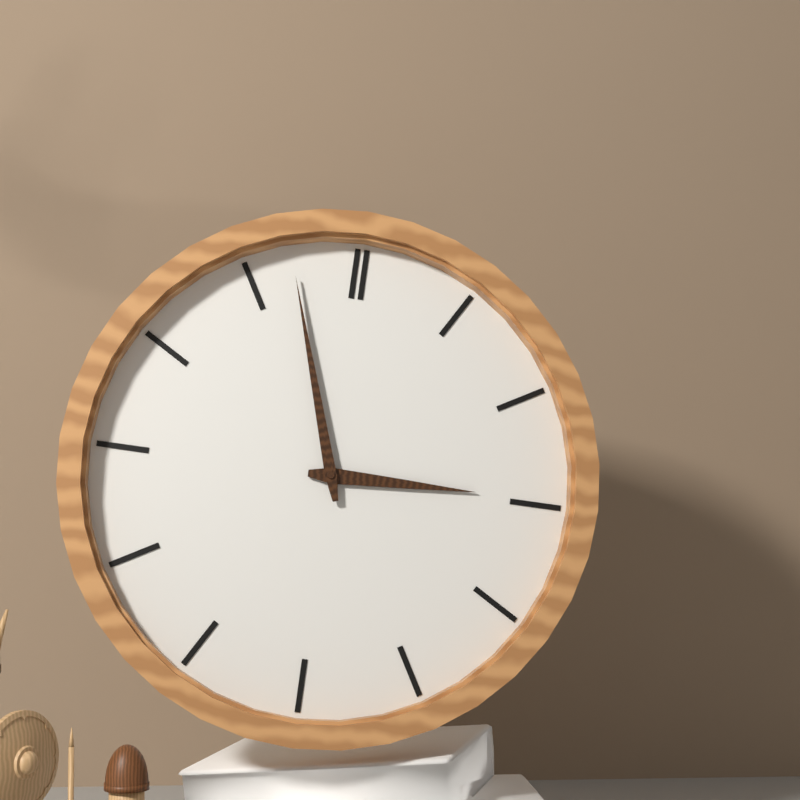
2:57
